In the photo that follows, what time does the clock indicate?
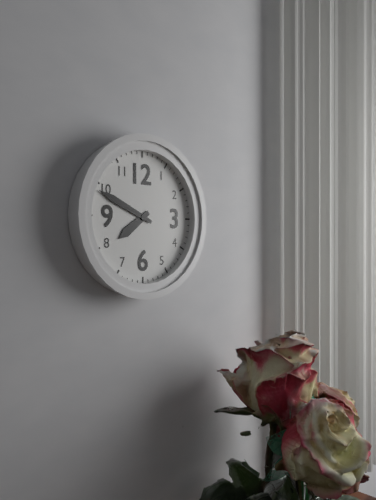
7:49
